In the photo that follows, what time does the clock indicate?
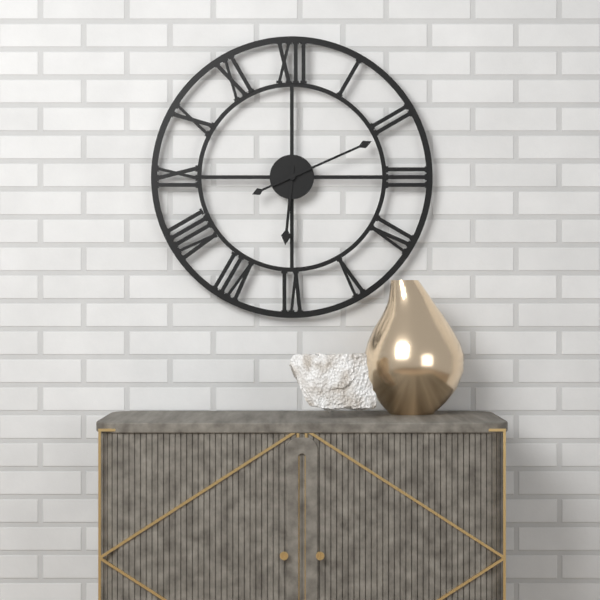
6:11
